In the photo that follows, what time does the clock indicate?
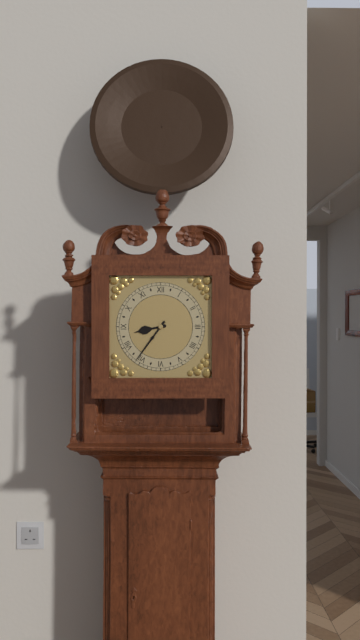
8:36
